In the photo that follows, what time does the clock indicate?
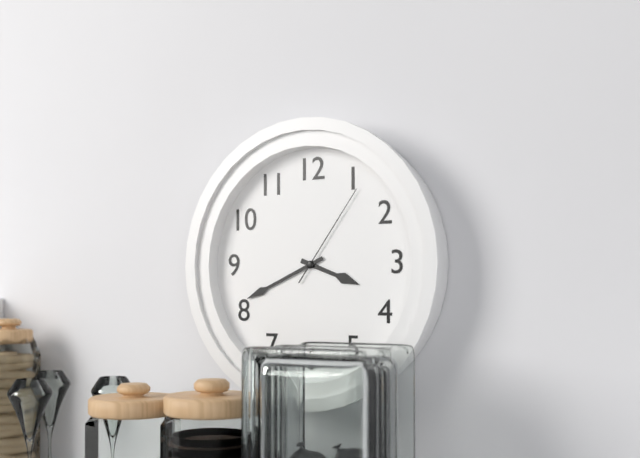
3:41:06
